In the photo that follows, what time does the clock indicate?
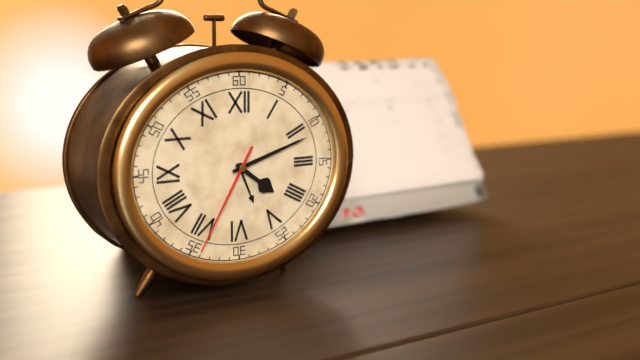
4:12:35
